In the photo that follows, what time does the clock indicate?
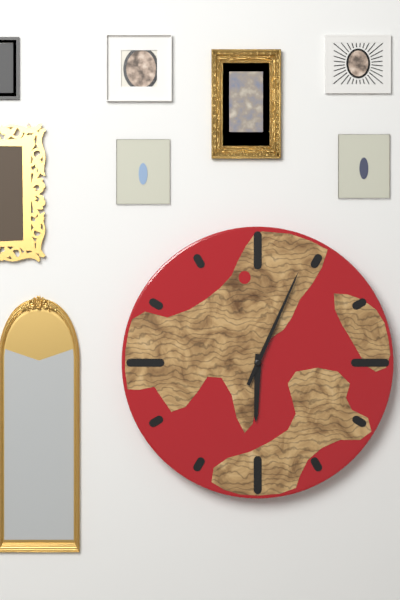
6:04
